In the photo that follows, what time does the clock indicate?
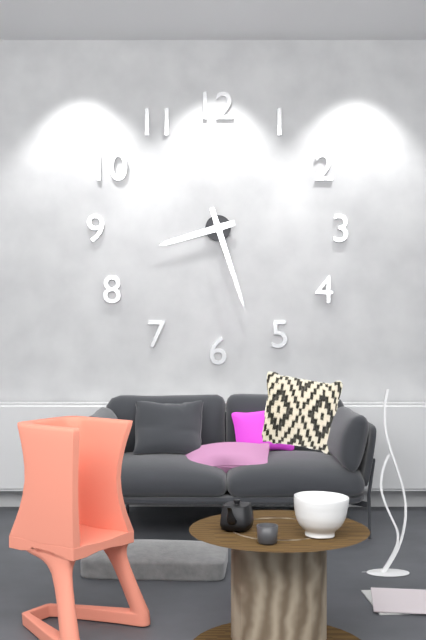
8:27
